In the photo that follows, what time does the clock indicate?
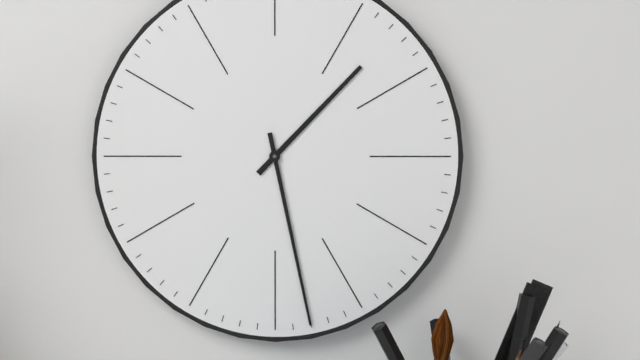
1:28
